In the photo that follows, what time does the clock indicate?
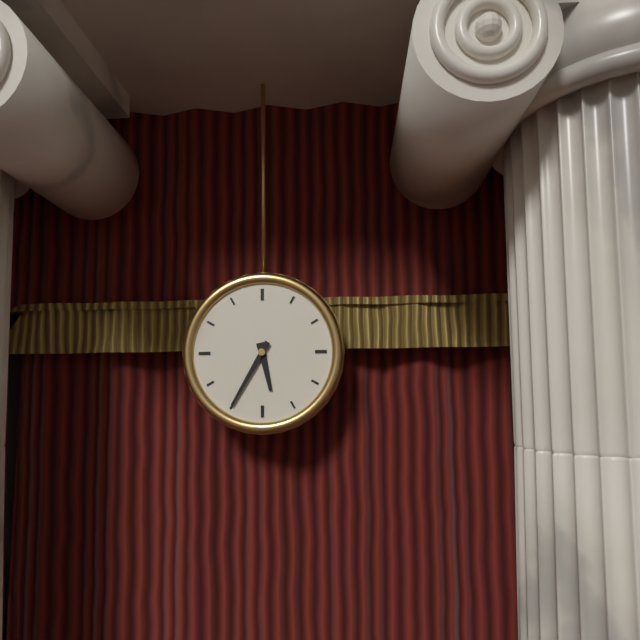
5:35
